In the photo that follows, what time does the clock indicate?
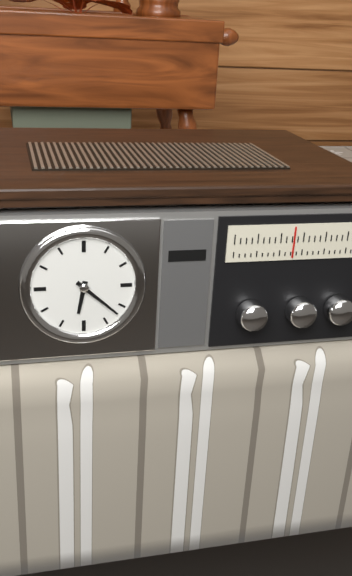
6:22
